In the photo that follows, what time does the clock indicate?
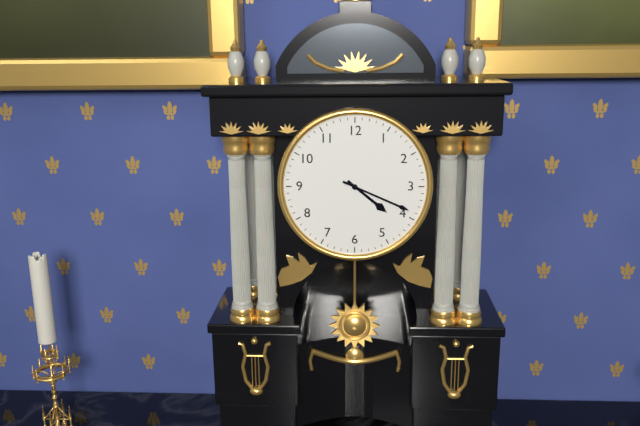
4:19
